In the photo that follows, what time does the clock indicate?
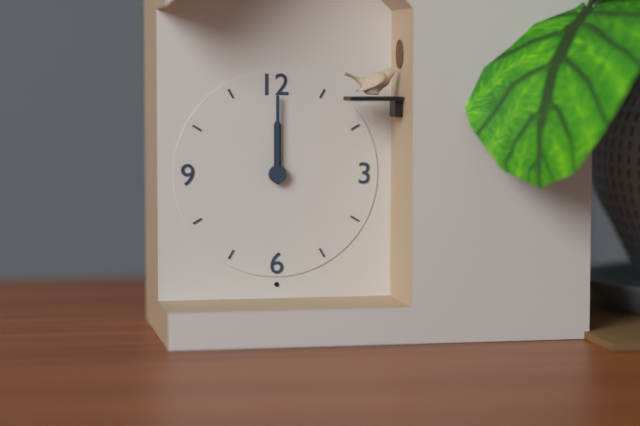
12:00
